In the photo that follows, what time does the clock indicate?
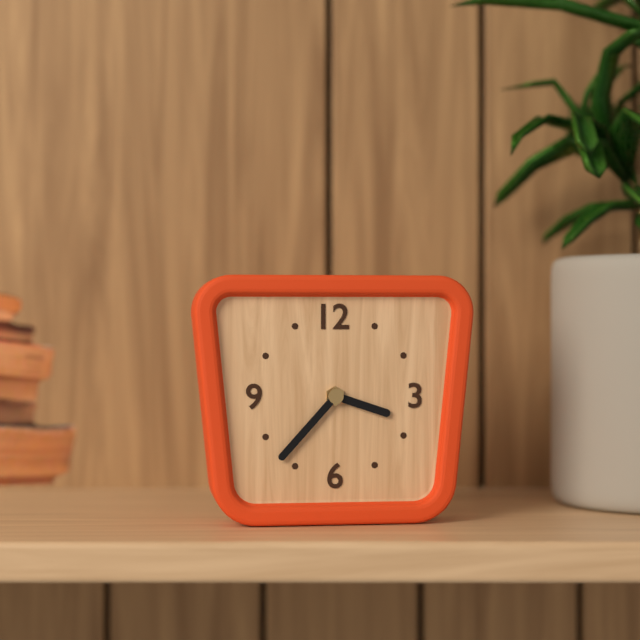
3:37
